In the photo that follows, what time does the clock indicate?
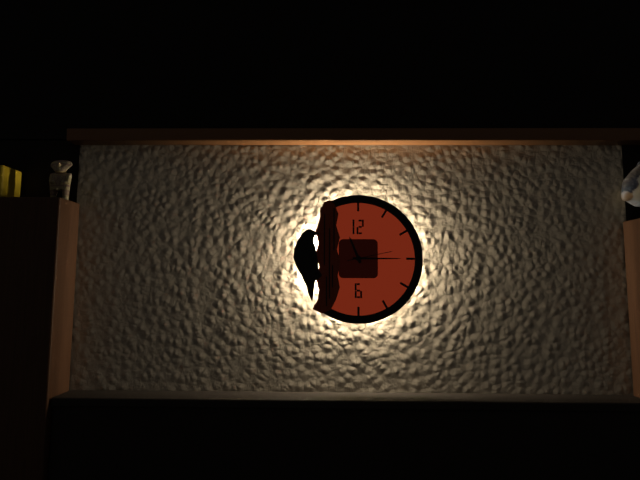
11:15
